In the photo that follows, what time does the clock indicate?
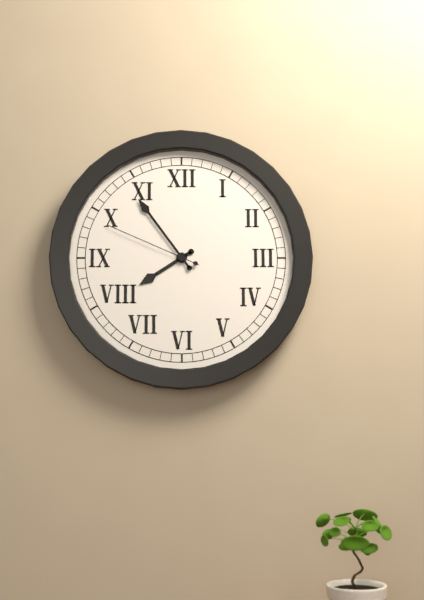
7:54:49
